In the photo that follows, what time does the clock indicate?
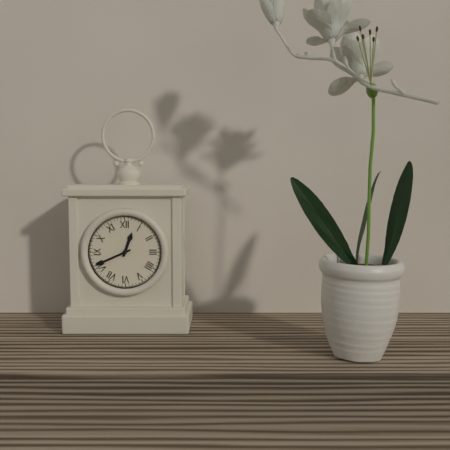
12:41
